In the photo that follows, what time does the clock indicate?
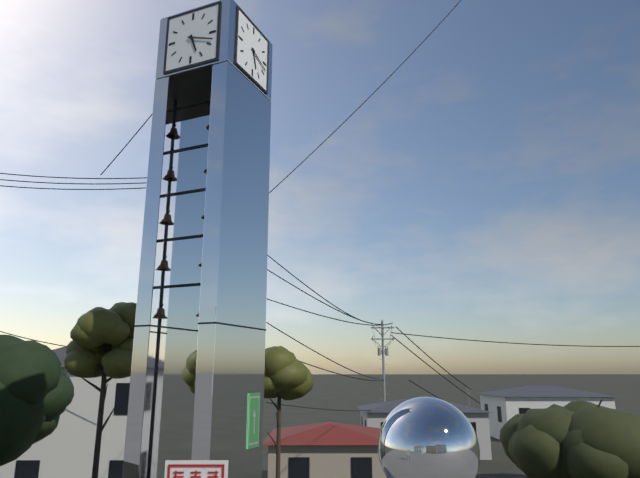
5:18
